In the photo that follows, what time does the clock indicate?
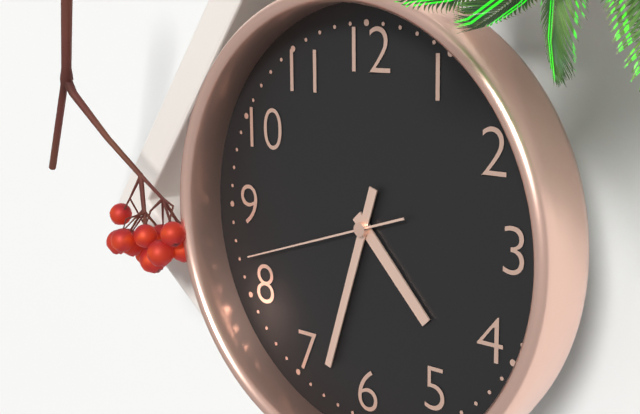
4:33:42
